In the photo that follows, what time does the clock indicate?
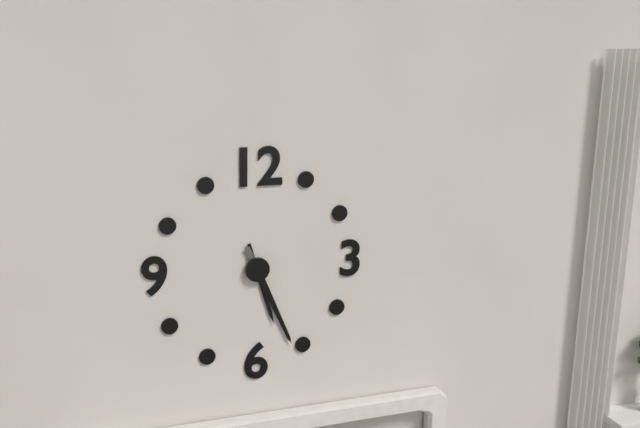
5:26
